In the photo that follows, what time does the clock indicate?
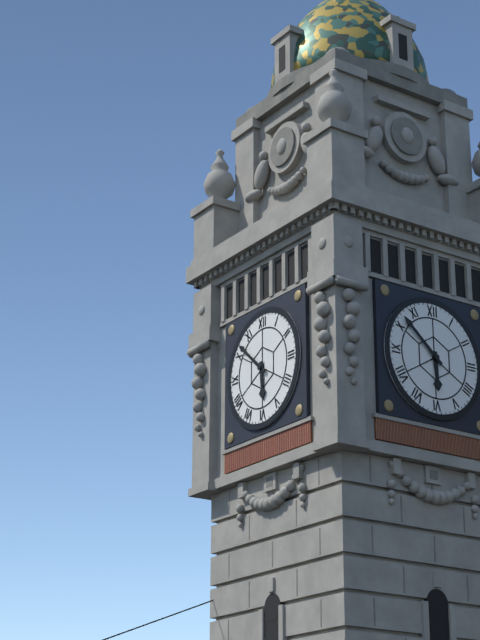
5:52
